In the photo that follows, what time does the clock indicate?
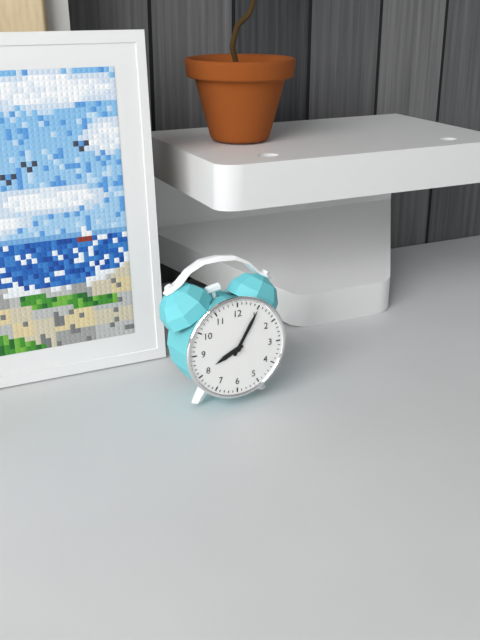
8:05
